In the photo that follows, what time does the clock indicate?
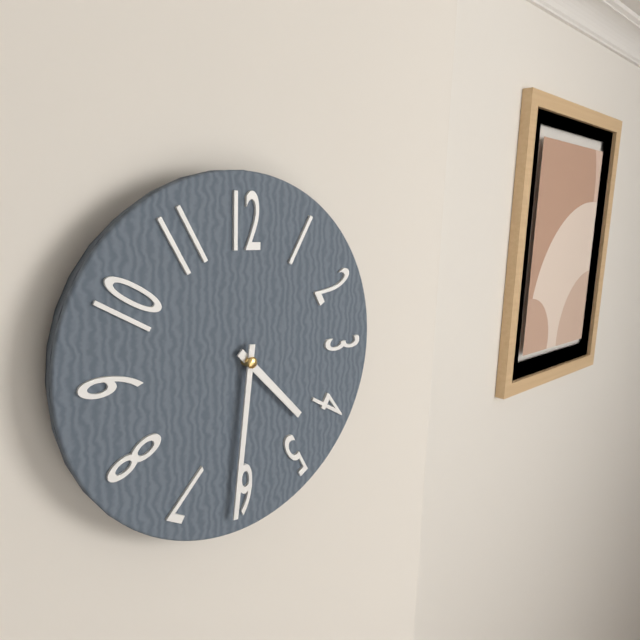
4:31
